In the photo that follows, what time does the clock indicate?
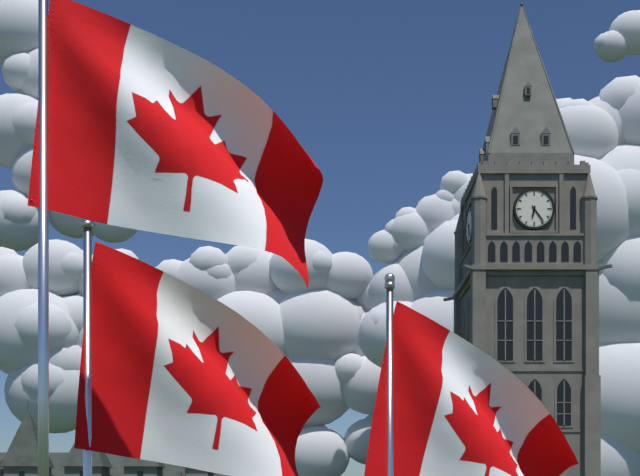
6:24
